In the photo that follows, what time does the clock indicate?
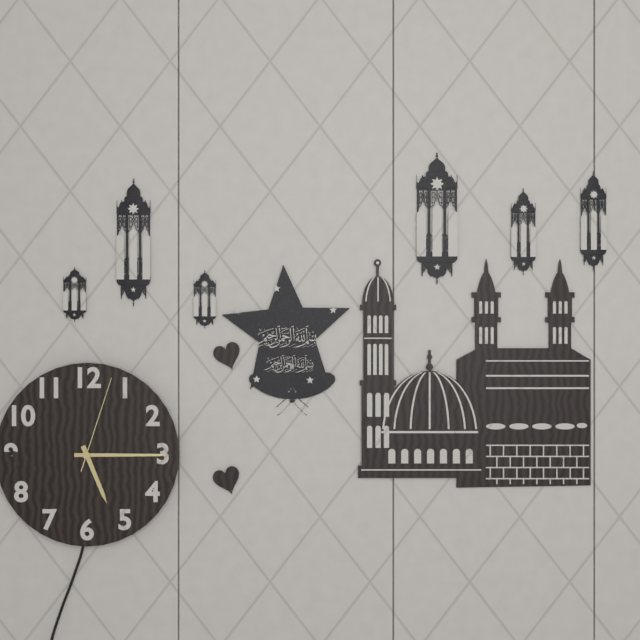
5:15:03
